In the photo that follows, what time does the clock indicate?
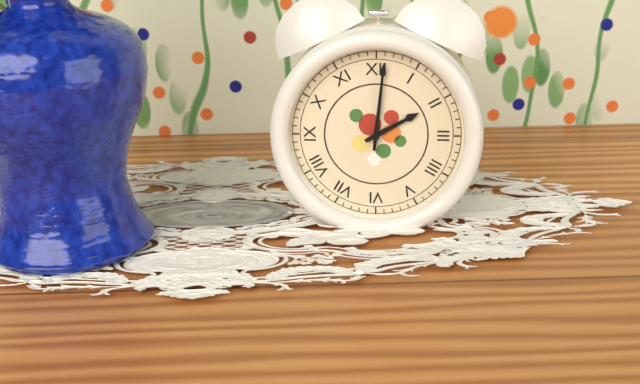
2:01
